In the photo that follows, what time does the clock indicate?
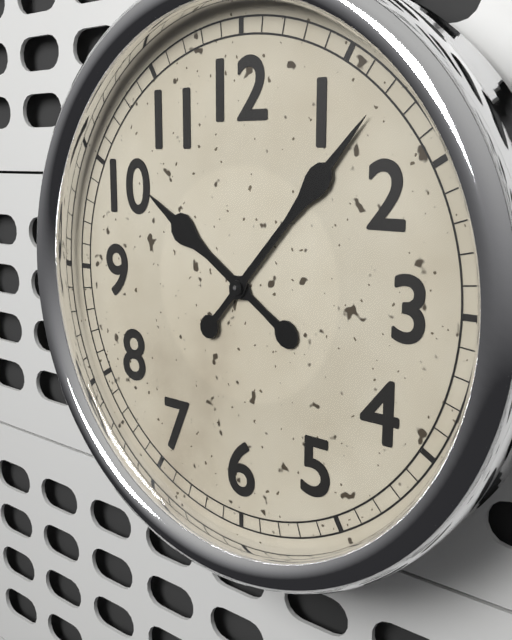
10:07
